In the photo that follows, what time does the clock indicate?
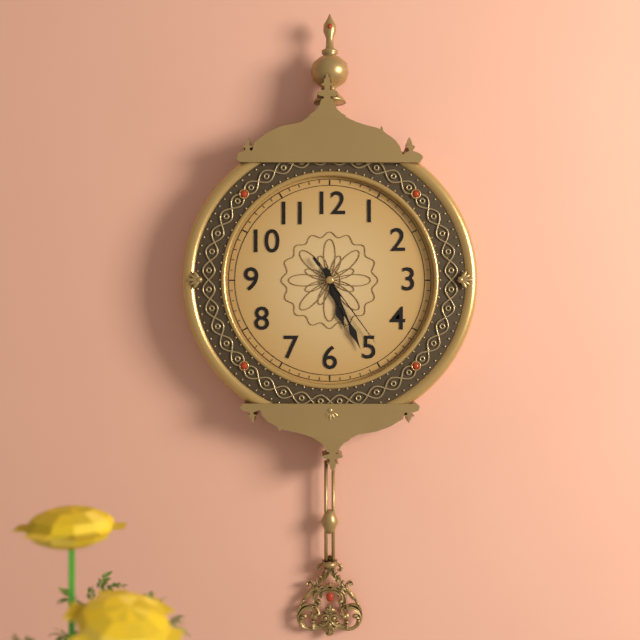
5:26:24
